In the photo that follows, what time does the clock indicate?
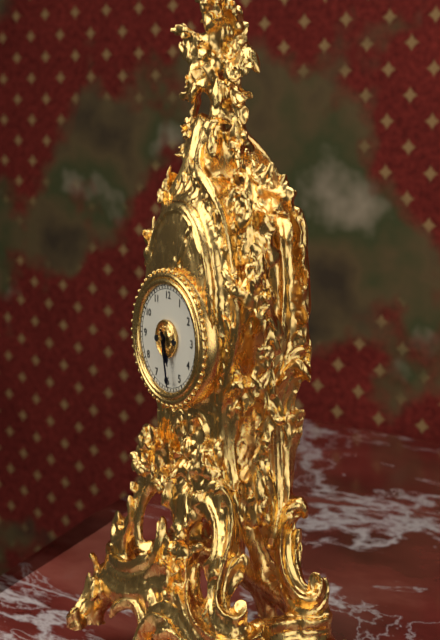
5:28
